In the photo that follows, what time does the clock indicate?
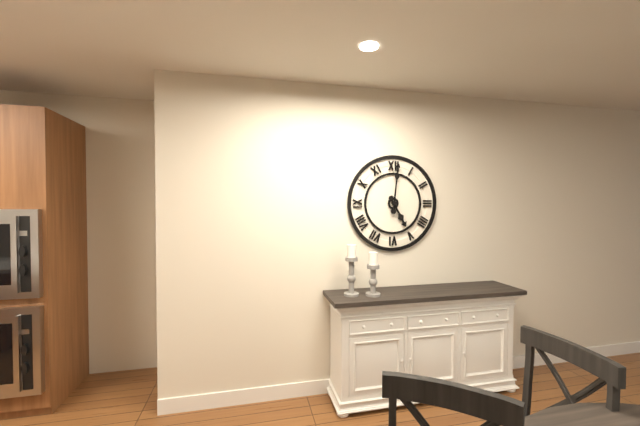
5:01
